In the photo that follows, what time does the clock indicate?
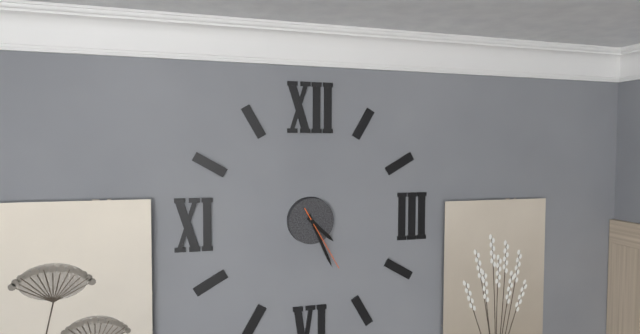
4:26:25
